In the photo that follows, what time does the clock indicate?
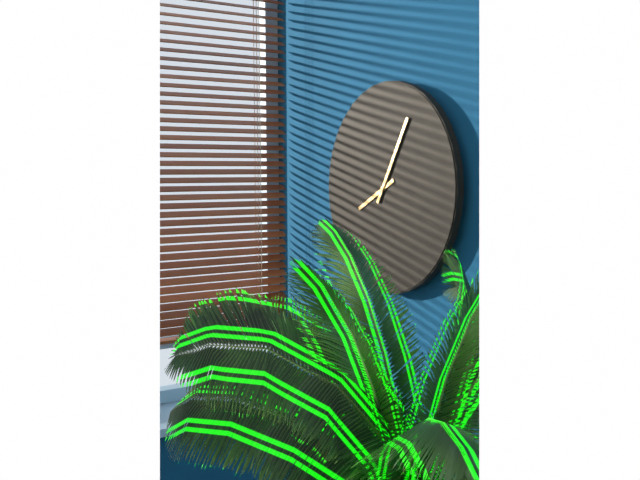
8:05
